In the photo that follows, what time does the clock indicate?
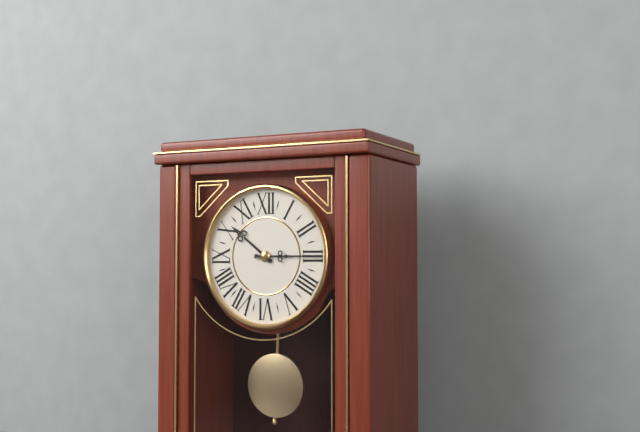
10:15
